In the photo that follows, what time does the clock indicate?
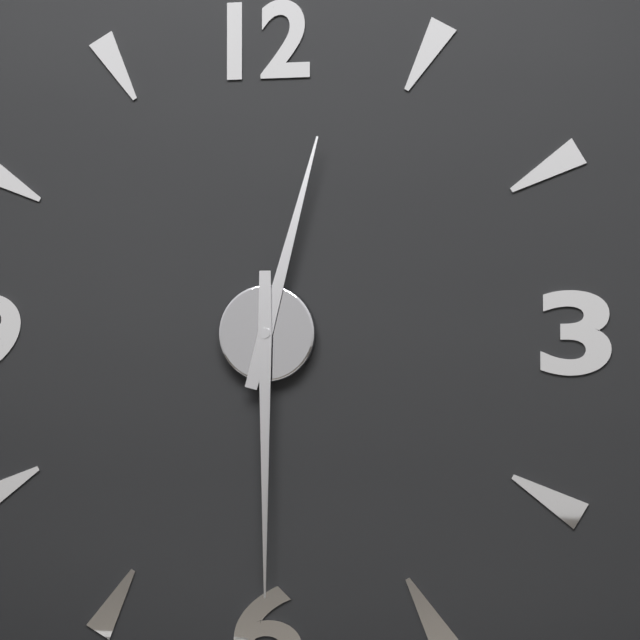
12:30
